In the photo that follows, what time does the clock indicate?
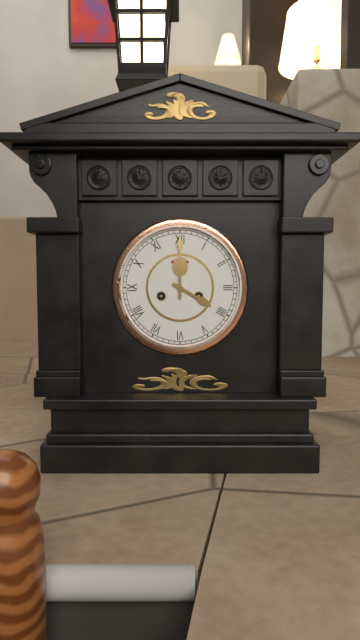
4:00
